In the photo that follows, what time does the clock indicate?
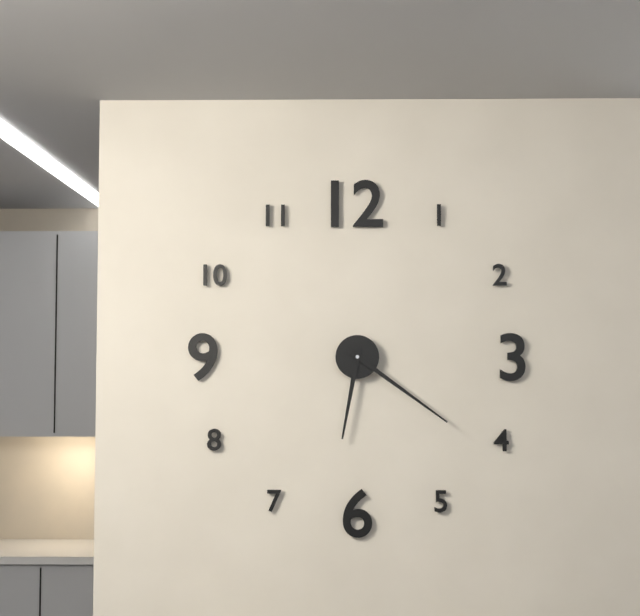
6:21
